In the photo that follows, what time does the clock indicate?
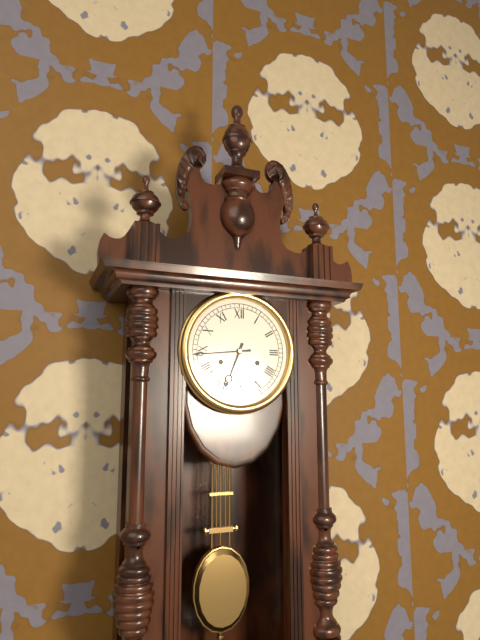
6:44
